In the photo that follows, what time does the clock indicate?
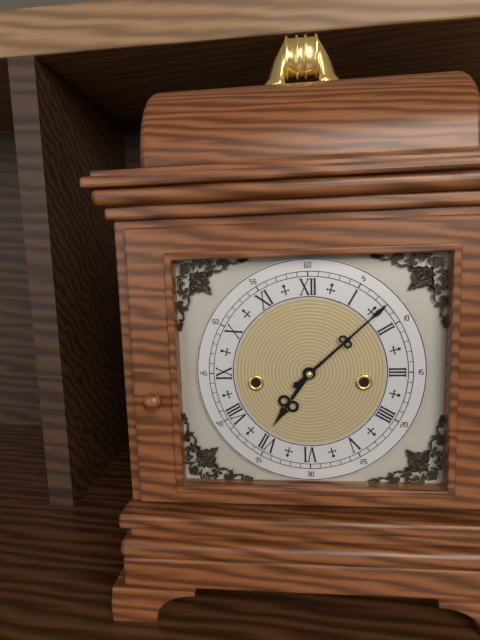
7:08
